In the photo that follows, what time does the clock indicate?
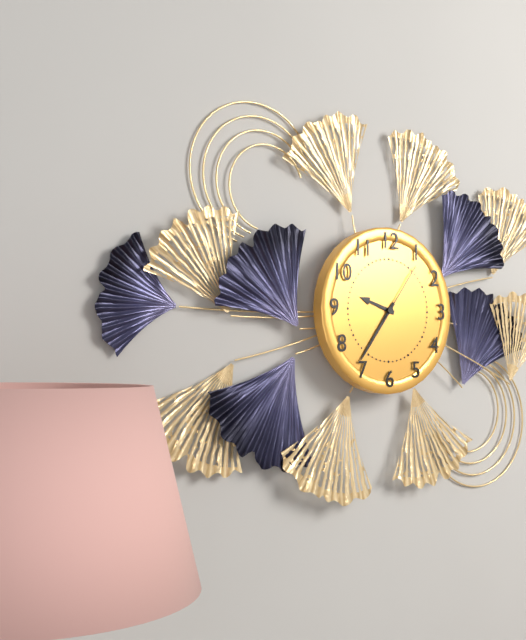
9:36:06
